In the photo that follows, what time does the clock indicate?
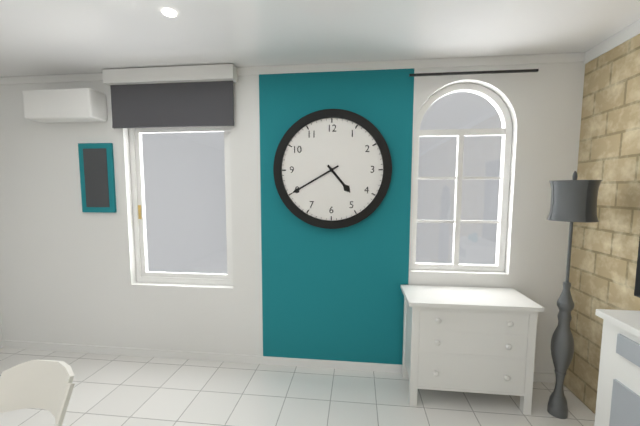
4:40
